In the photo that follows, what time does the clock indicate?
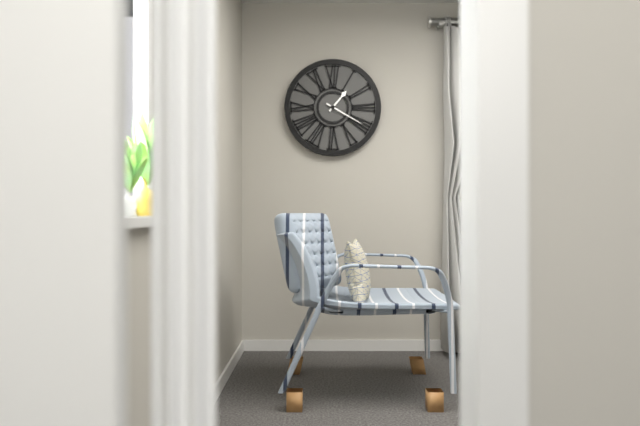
1:20
